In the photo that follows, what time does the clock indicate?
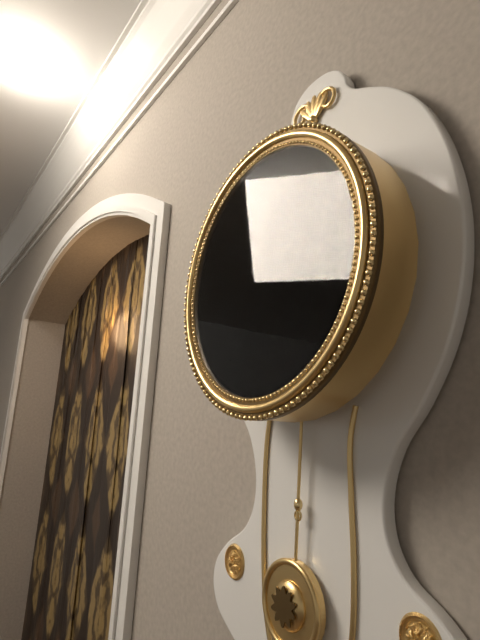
4:09
